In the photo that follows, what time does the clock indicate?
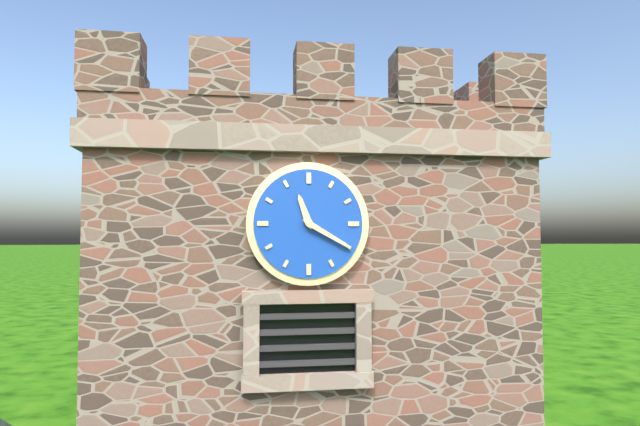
11:20
